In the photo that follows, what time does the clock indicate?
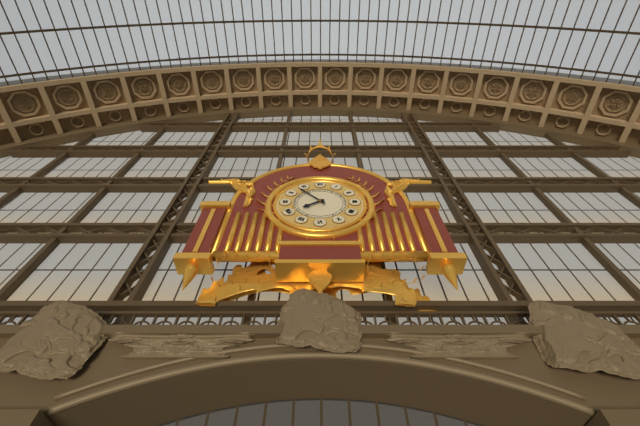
7:53
